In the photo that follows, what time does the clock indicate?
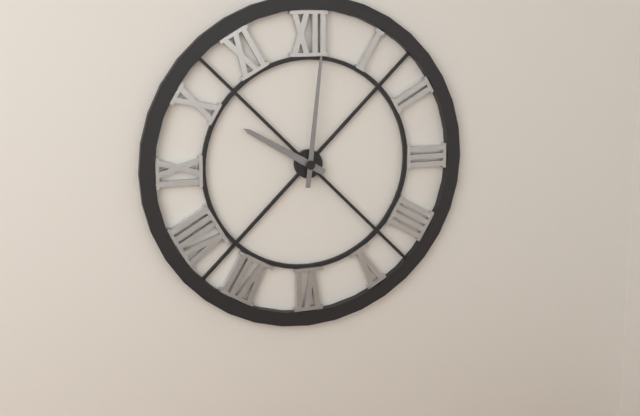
10:01
